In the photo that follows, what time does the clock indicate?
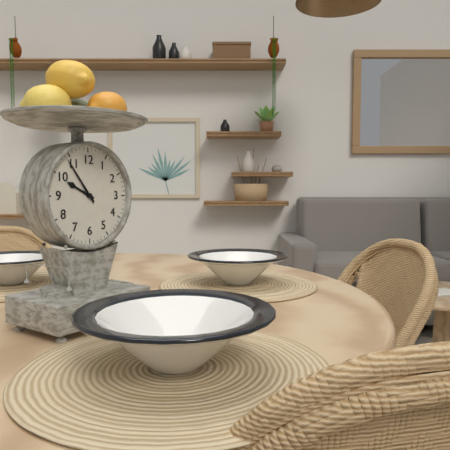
9:54
